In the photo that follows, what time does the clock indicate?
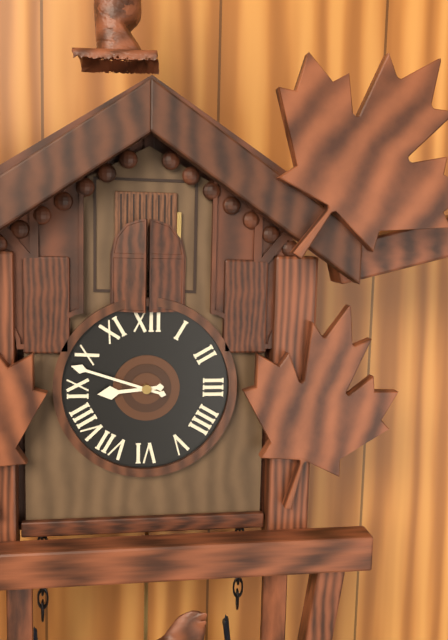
8:48
